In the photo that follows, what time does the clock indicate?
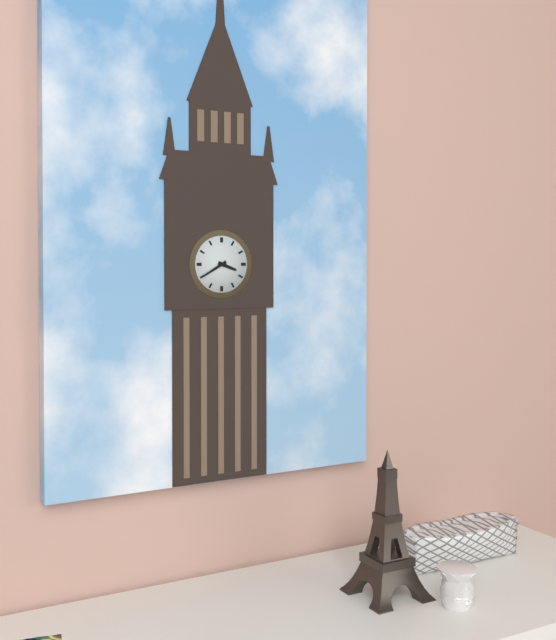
3:40
